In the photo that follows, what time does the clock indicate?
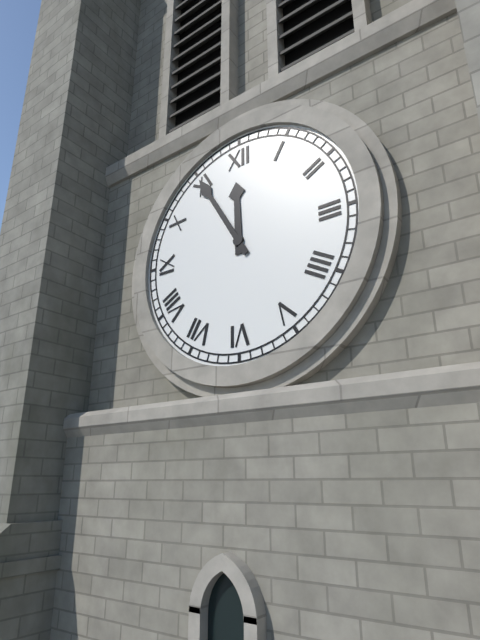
11:55
